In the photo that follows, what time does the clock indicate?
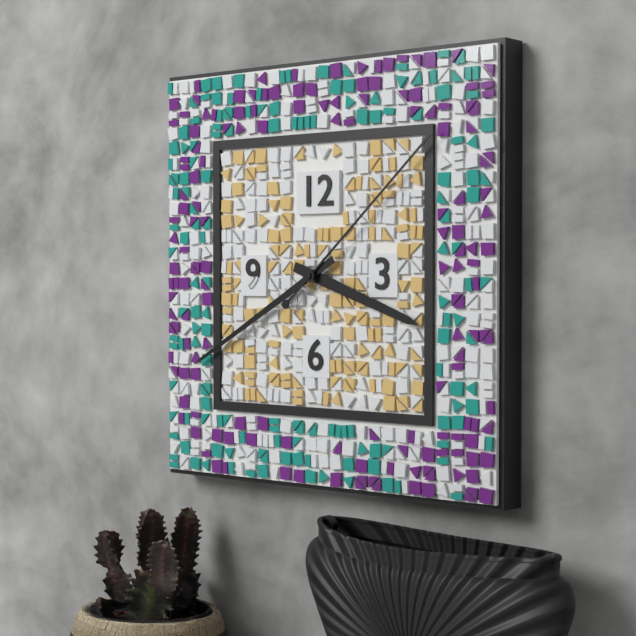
3:40:08
